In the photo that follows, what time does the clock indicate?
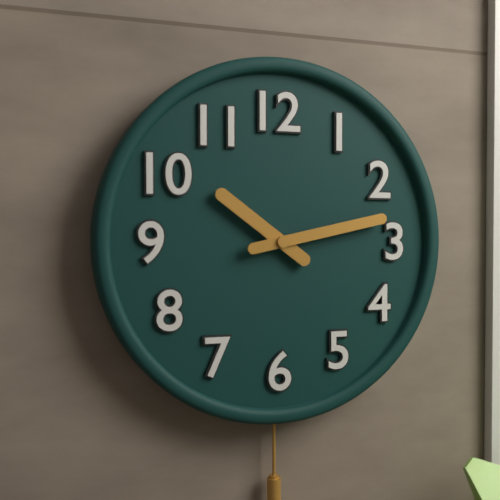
10:13
